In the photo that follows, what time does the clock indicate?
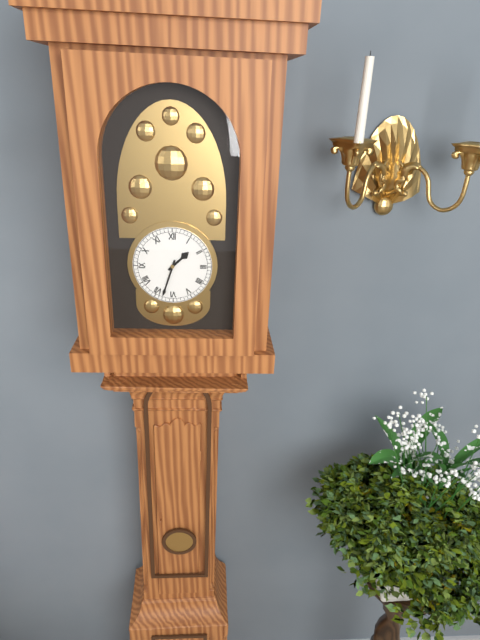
1:33
